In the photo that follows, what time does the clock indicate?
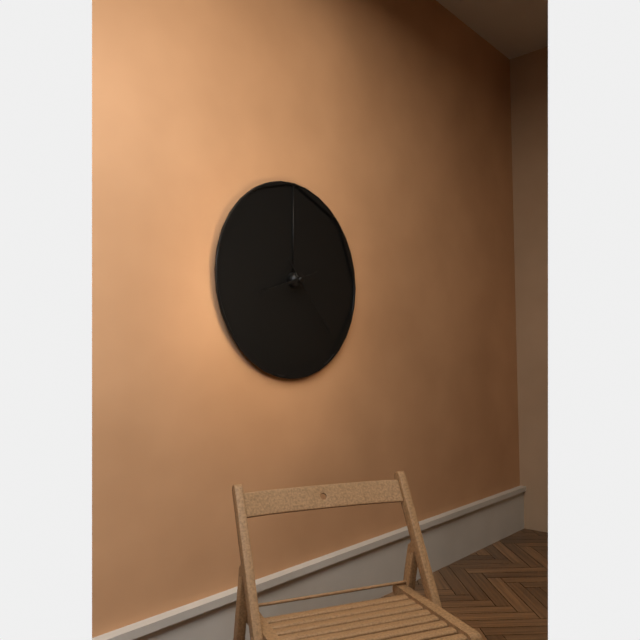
8:23
